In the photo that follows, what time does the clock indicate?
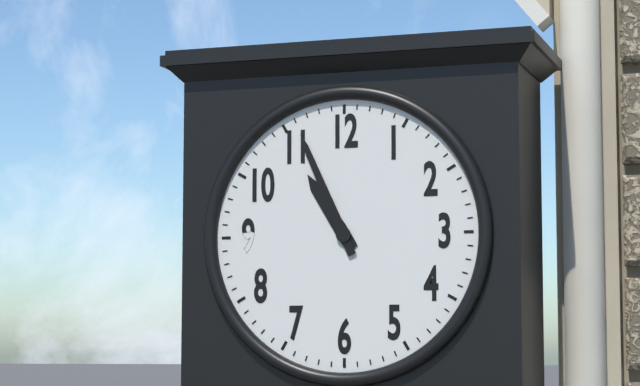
10:56
